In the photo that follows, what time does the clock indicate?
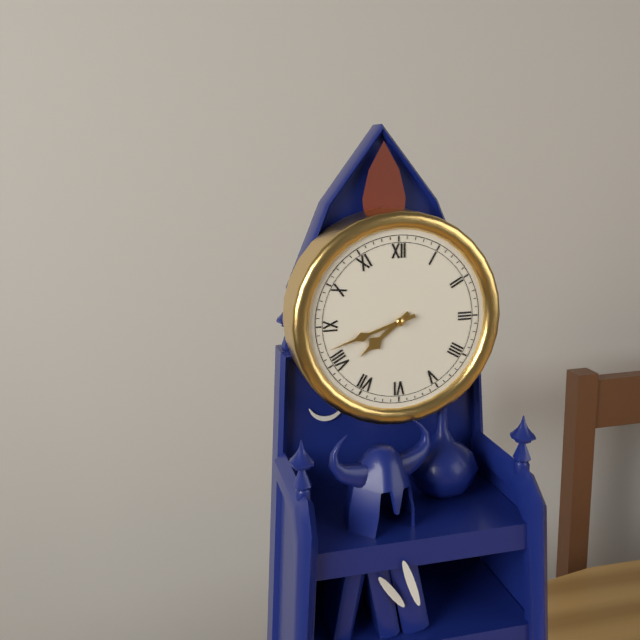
7:42
